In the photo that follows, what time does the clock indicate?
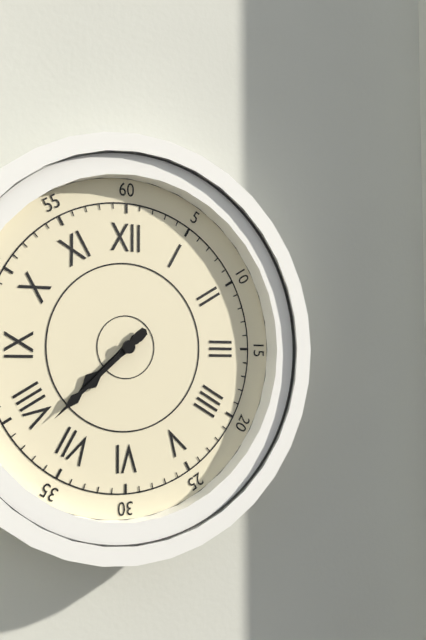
7:38
